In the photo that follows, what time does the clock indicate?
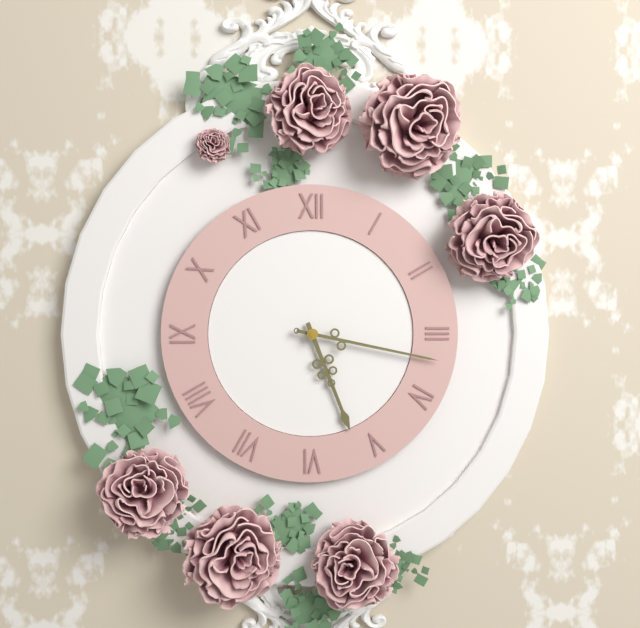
5:17
